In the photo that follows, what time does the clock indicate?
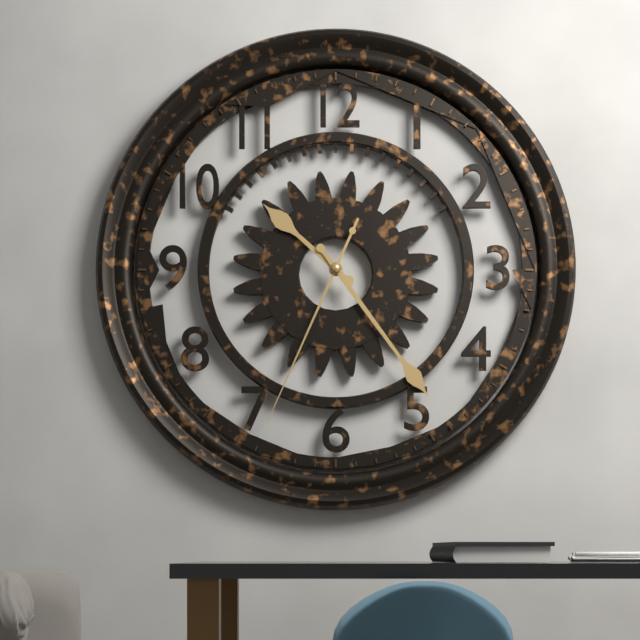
10:24:34
